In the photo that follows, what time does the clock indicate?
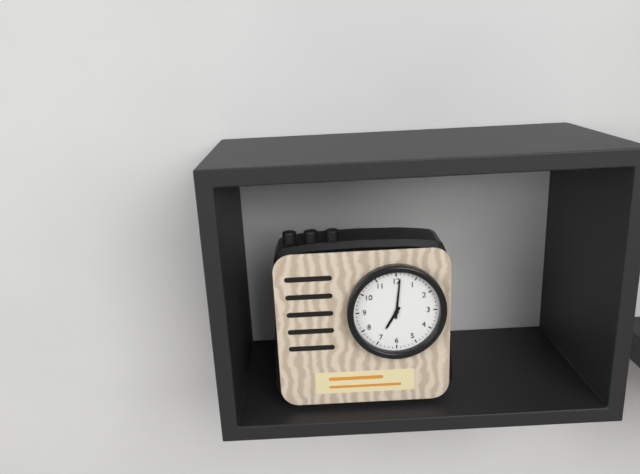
7:01
